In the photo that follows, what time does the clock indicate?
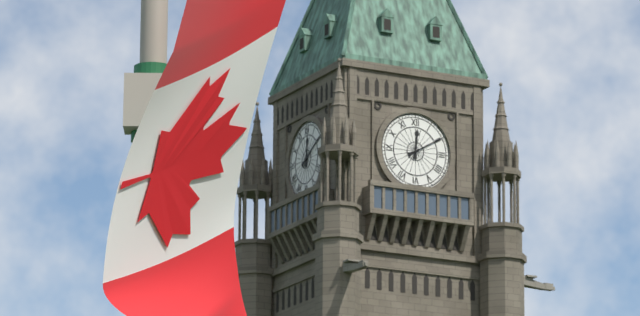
12:10
